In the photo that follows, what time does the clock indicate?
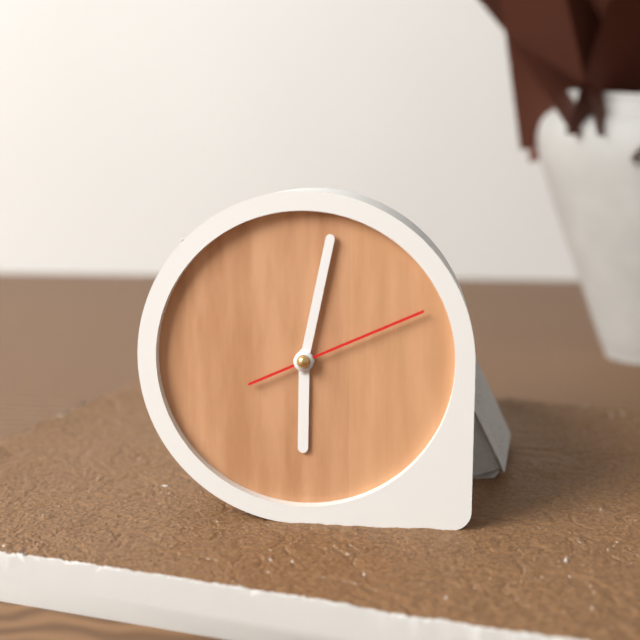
6:02:11
